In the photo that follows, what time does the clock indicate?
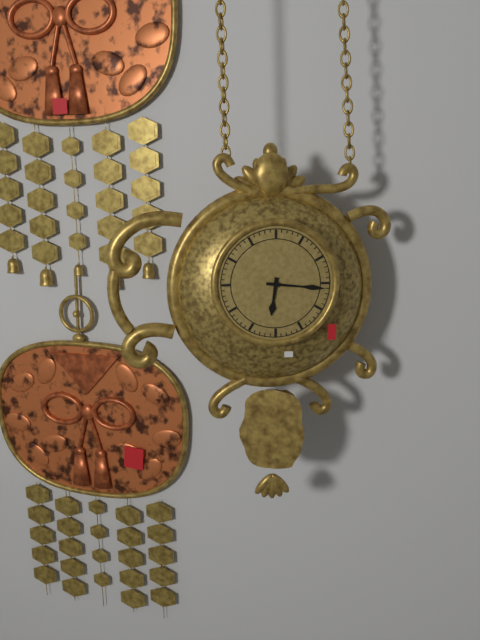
6:16
